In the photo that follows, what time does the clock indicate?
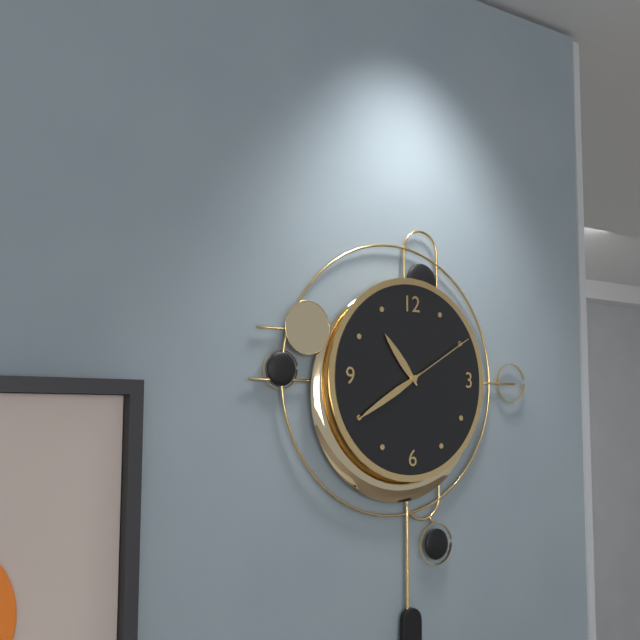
10:40:10
